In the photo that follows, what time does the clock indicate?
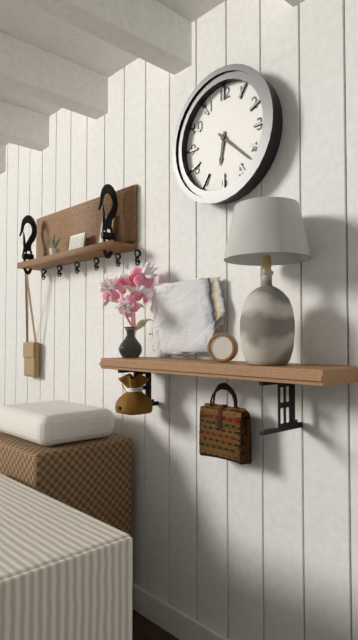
6:22
